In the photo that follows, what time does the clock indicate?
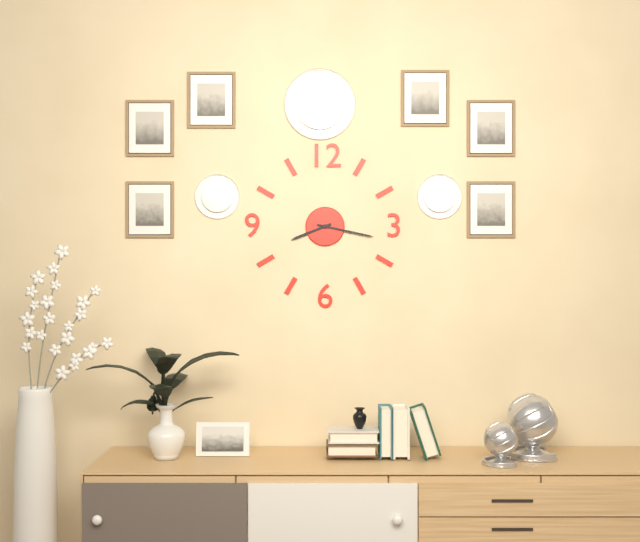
8:17
